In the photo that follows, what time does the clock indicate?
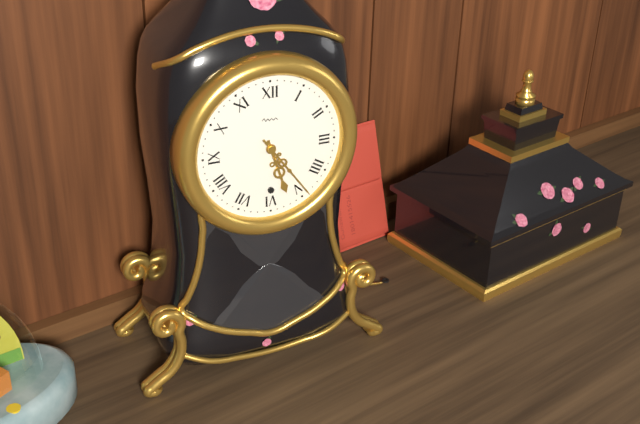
5:24
